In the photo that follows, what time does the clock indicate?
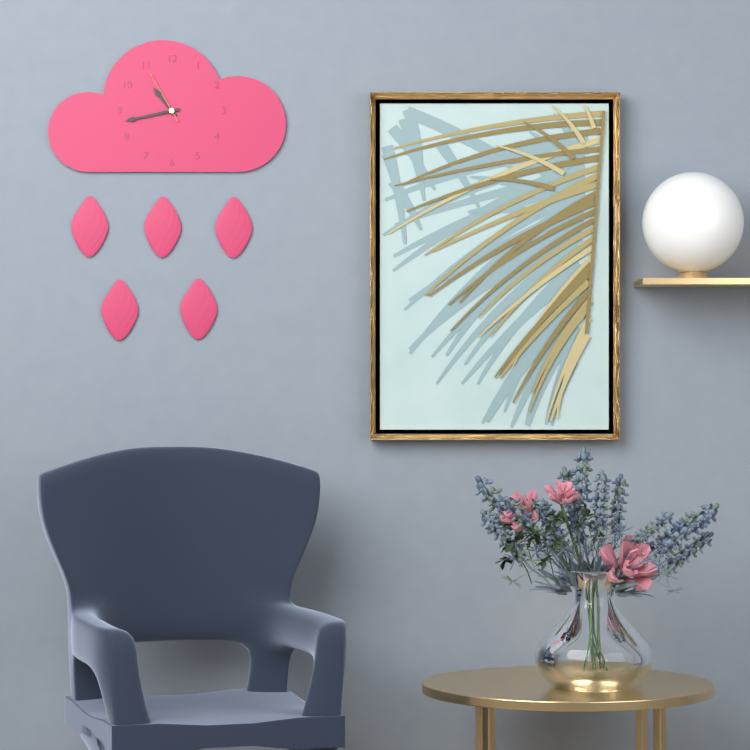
10:43:55
